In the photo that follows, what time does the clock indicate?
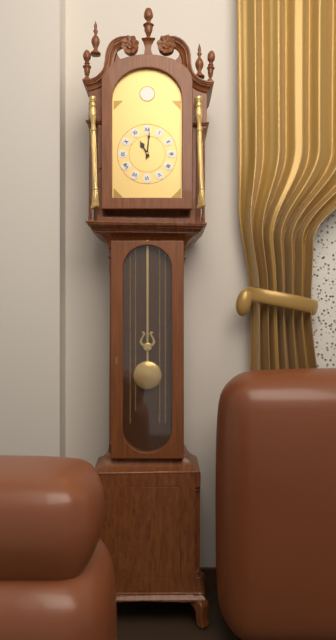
11:01
